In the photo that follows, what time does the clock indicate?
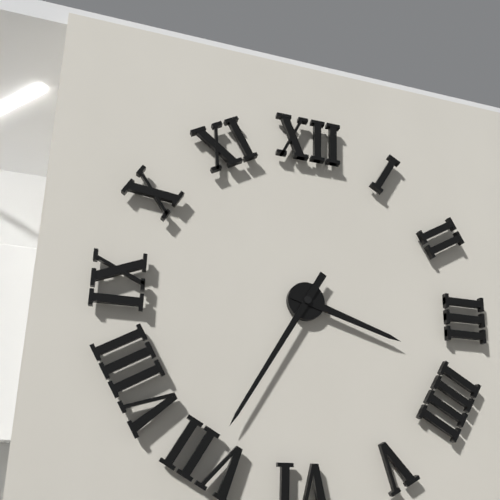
3:35
